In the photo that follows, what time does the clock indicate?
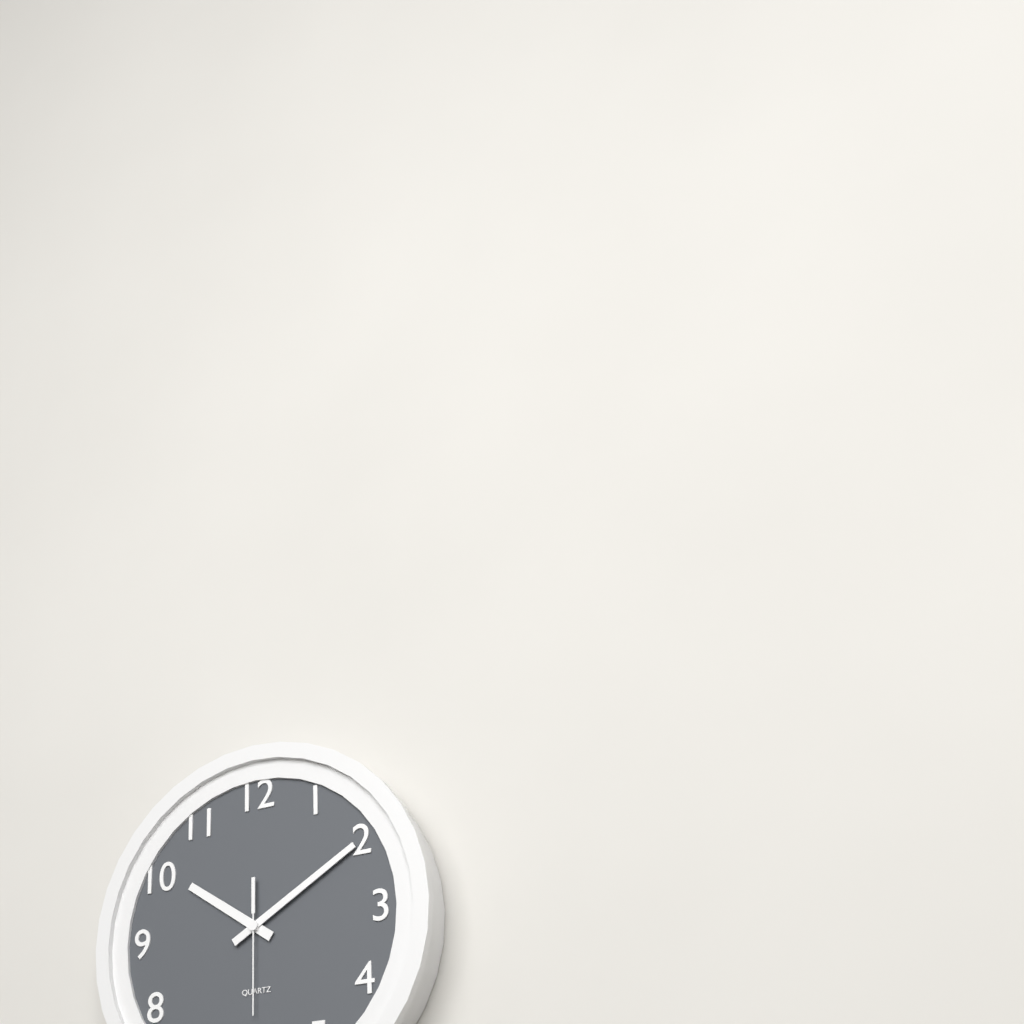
10:10:30
